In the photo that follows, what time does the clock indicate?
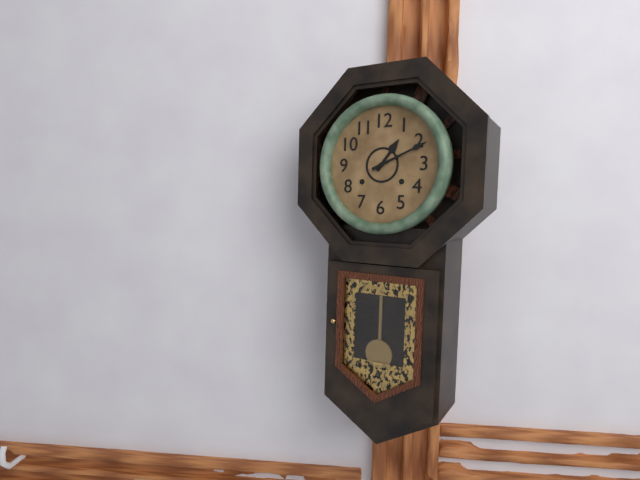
1:11
